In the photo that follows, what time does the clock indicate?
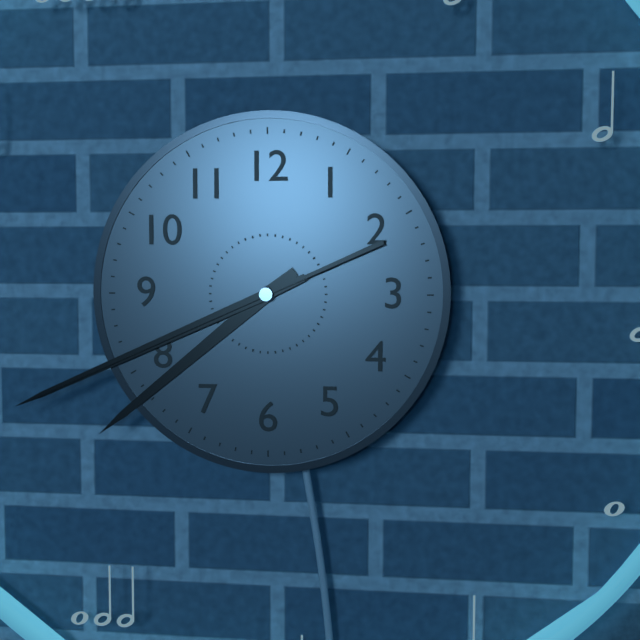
7:41:41
